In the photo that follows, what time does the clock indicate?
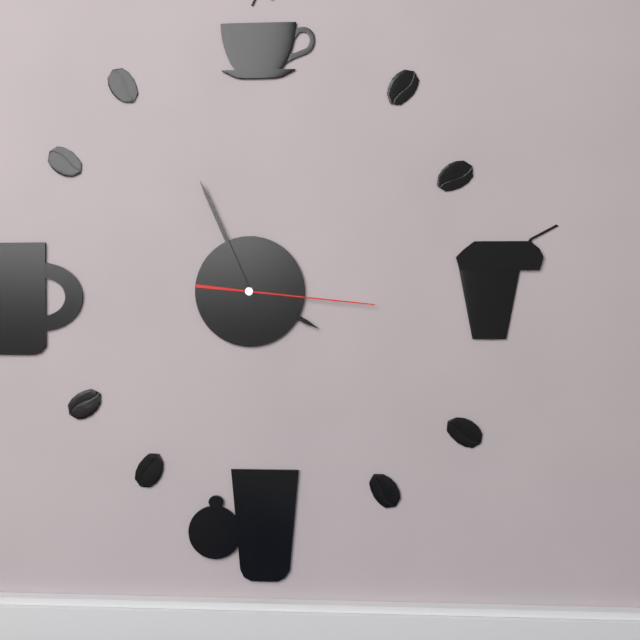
3:56:16
